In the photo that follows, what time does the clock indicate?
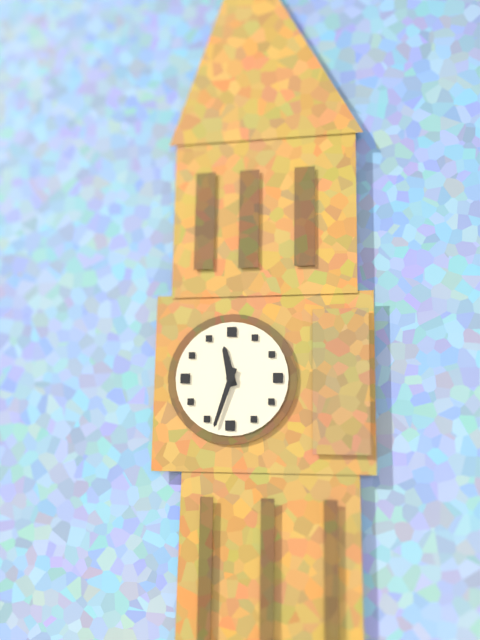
11:33
